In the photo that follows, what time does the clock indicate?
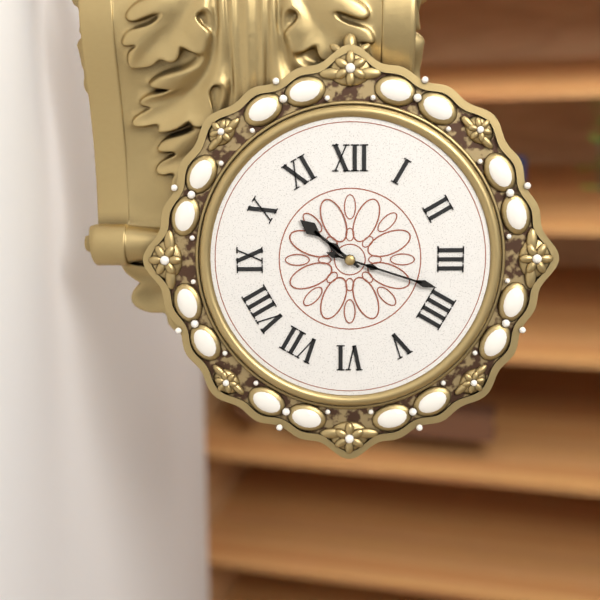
10:18
